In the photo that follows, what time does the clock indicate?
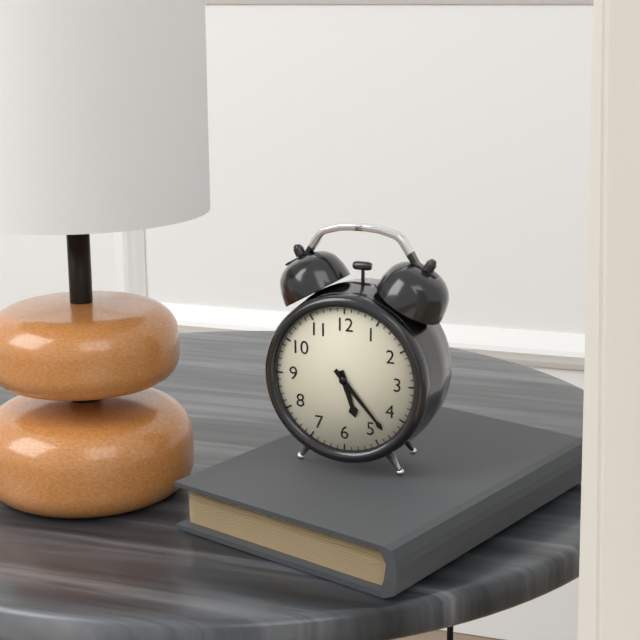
5:23
